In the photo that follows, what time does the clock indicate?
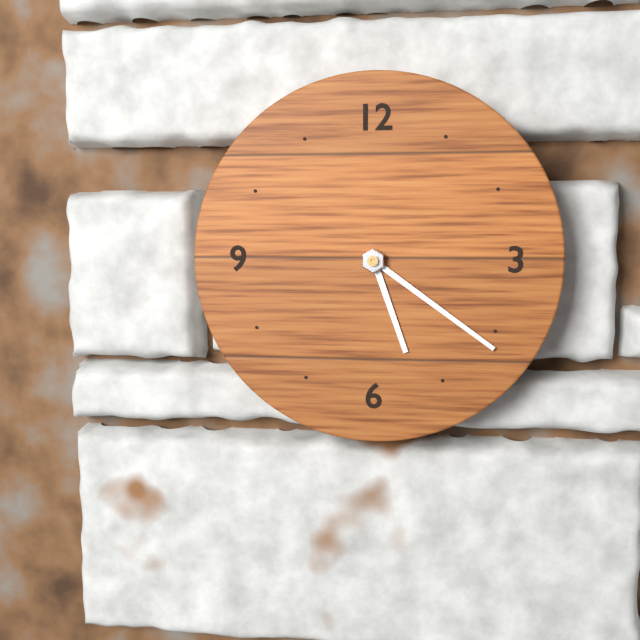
5:21
